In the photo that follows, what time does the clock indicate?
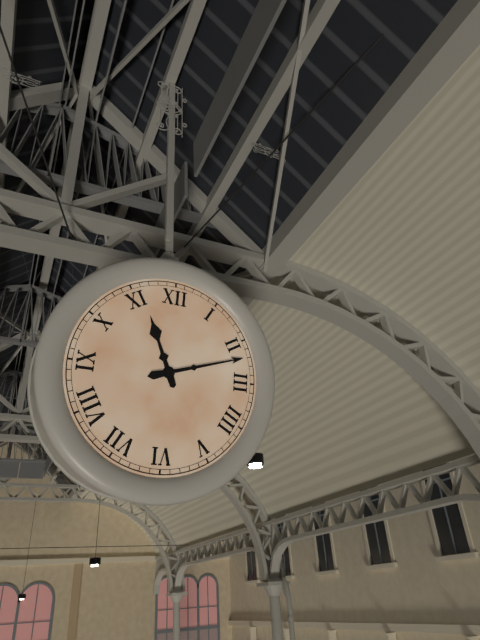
11:12
